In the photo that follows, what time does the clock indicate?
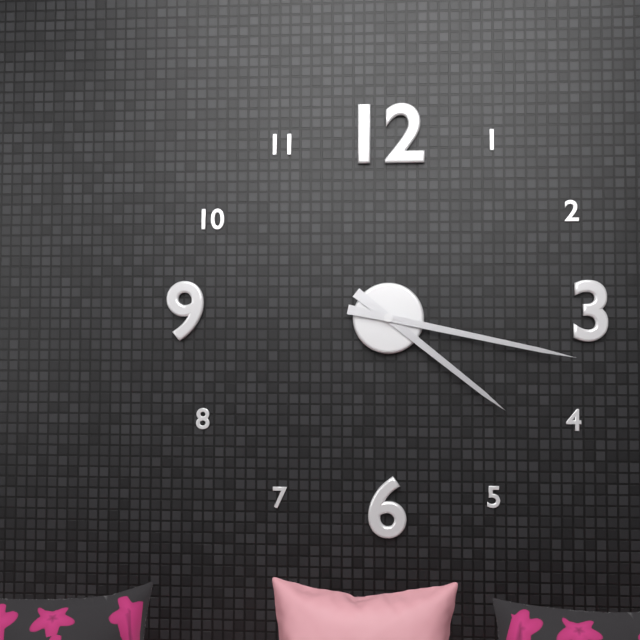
4:17
